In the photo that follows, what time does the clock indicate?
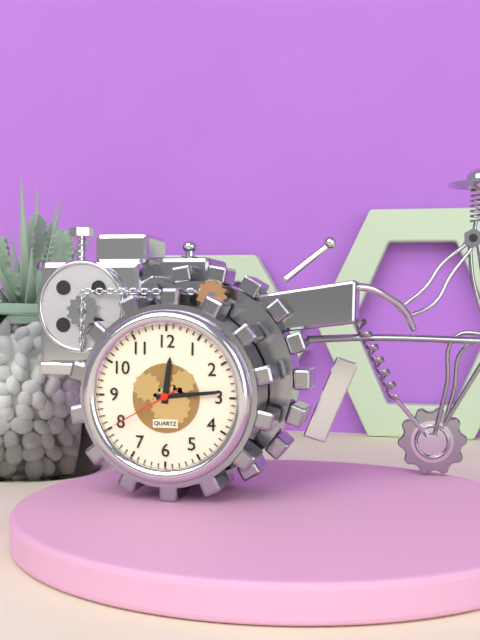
12:14:40
